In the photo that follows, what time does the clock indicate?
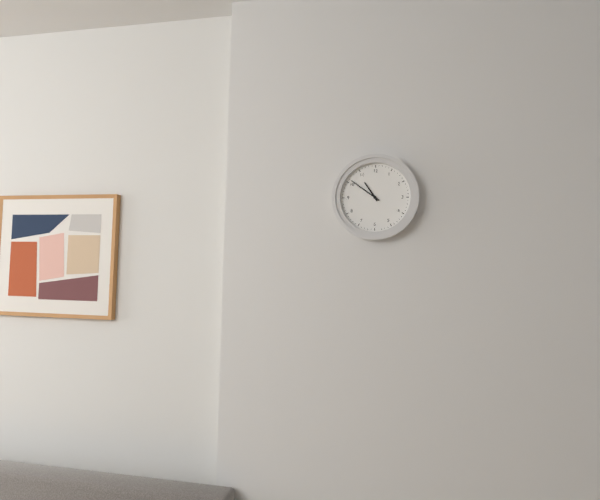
10:51
